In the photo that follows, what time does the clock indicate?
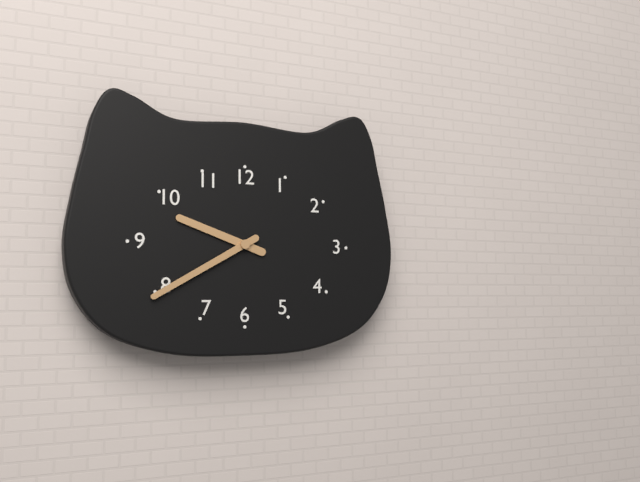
9:40
